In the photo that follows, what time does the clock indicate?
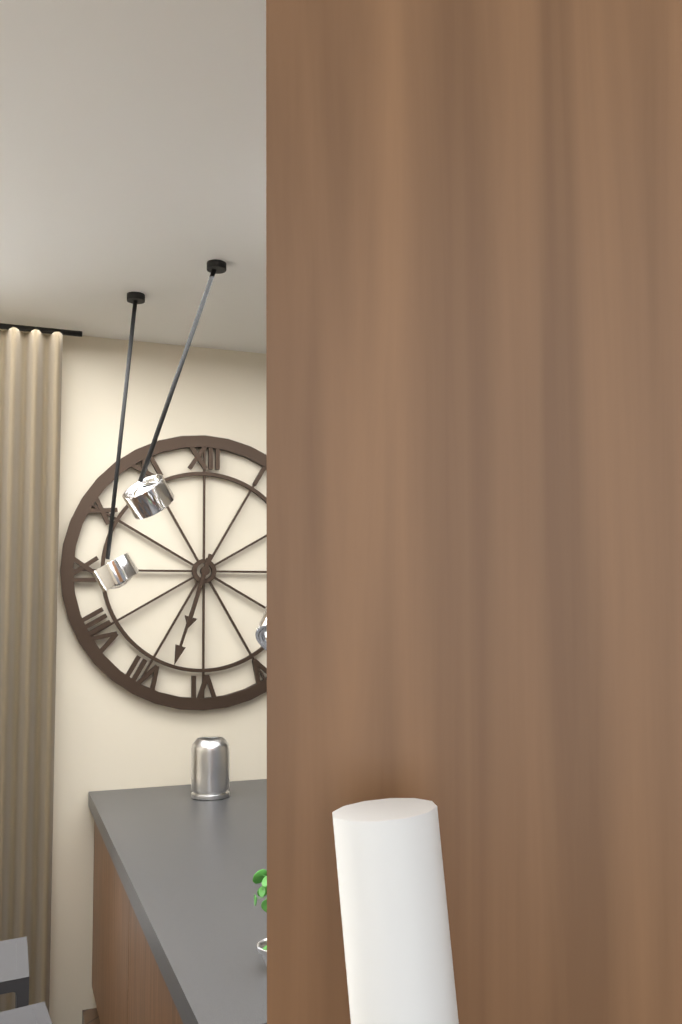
6:33
